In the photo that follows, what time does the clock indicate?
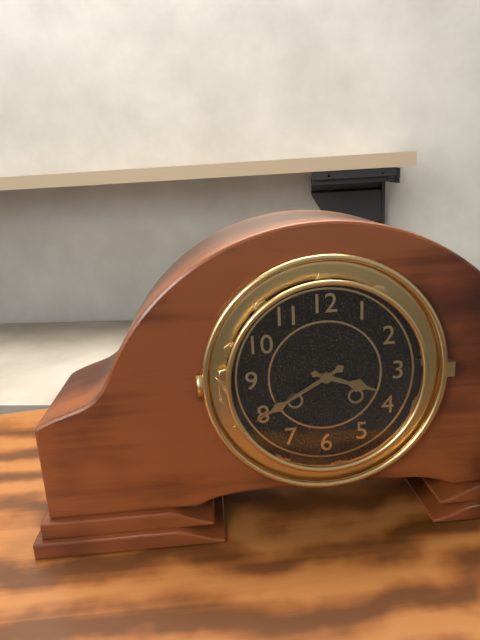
3:40
